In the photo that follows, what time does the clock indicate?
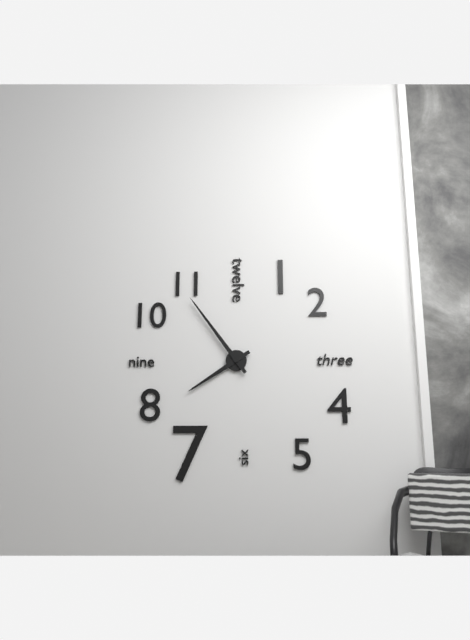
7:54
